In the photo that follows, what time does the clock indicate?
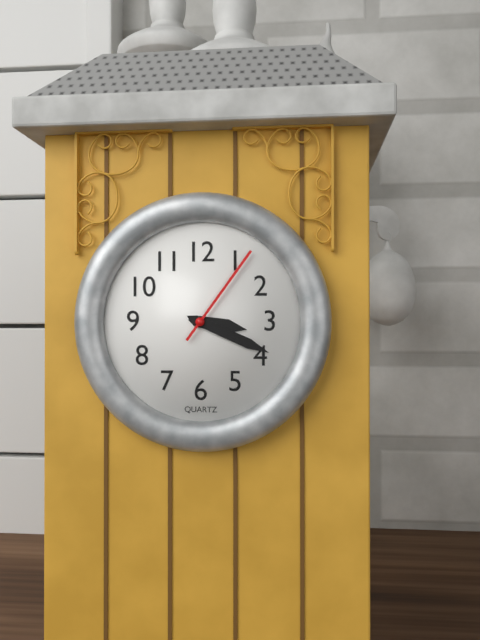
3:19:06
